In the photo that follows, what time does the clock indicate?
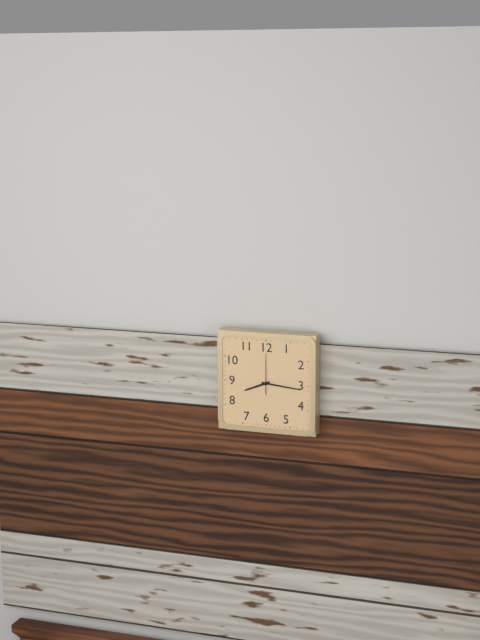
8:16
